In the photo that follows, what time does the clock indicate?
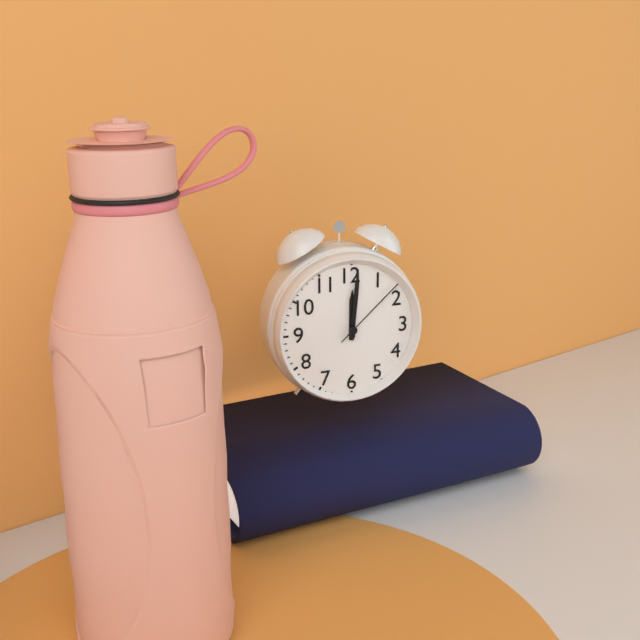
12:01:08
